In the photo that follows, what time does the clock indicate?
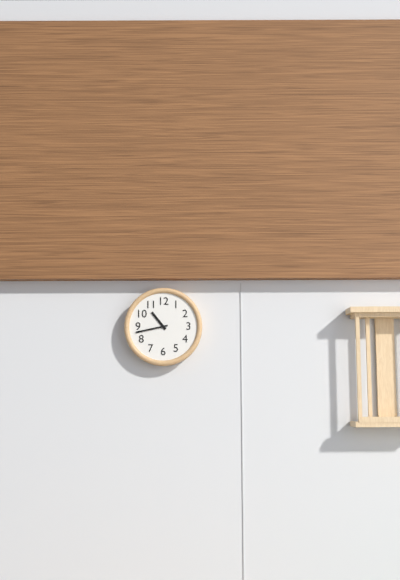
10:43
